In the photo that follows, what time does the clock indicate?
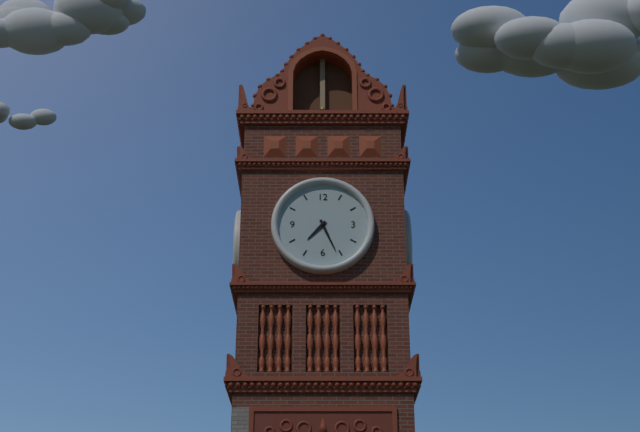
7:26
